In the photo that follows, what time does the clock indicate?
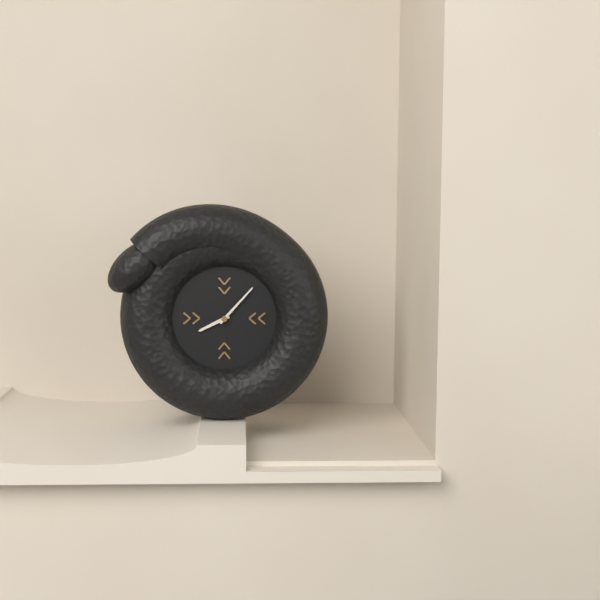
8:07
